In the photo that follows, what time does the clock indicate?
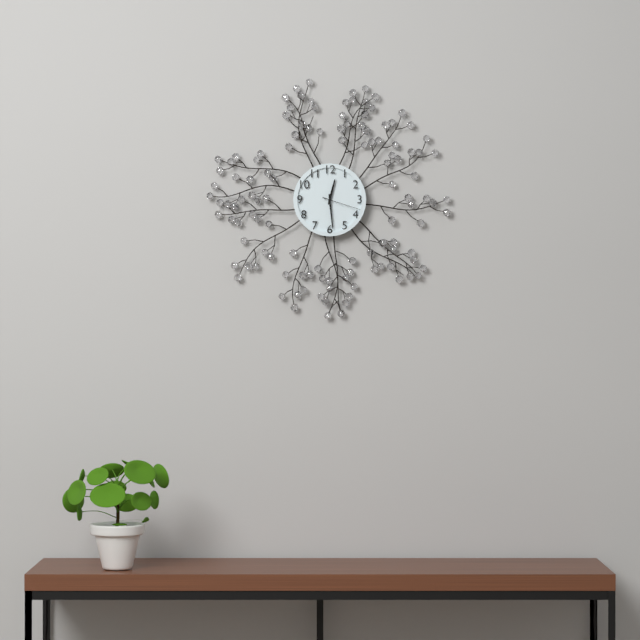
12:29
